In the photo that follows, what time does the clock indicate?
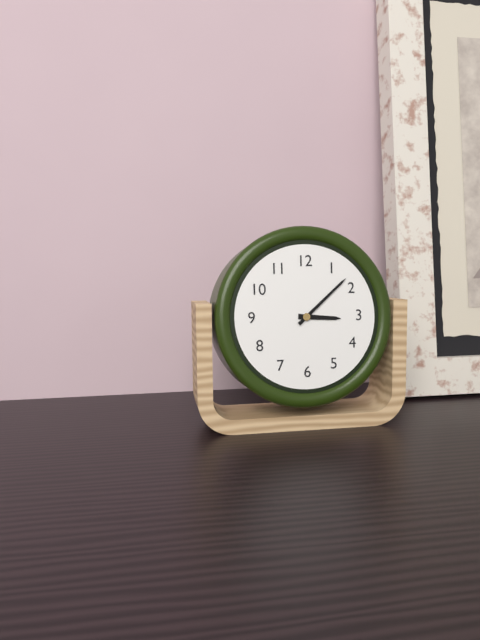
3:08
